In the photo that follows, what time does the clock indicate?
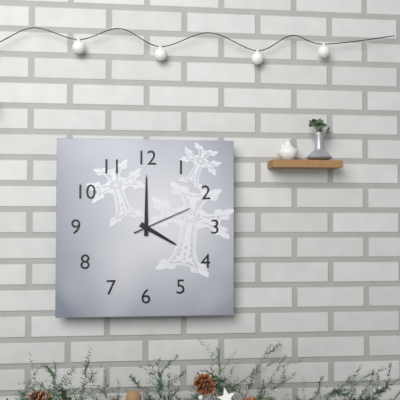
4:00:11
